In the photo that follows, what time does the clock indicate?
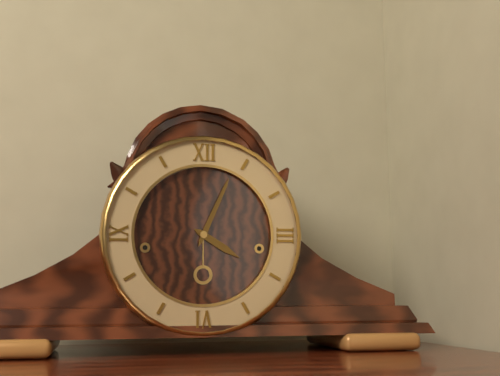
4:04
